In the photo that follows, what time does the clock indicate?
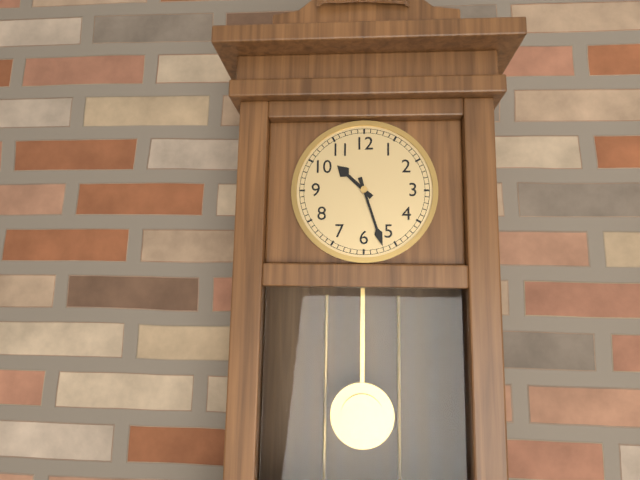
10:27
